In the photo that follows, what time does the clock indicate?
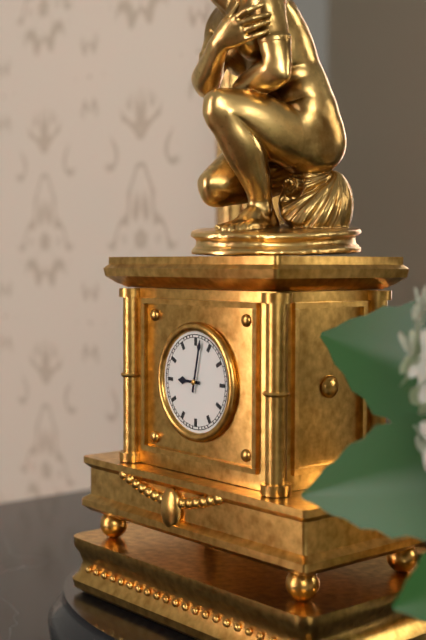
9:02
